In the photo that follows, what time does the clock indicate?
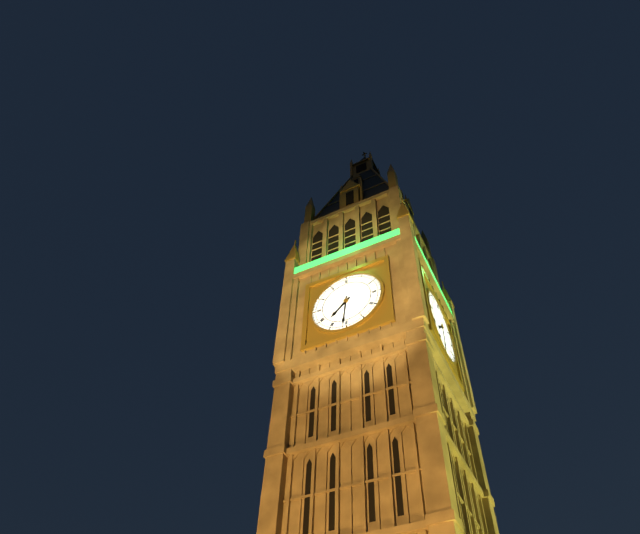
7:31
